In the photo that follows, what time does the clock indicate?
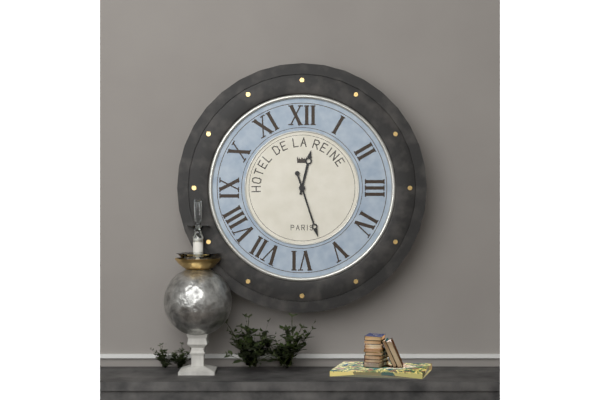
12:27
